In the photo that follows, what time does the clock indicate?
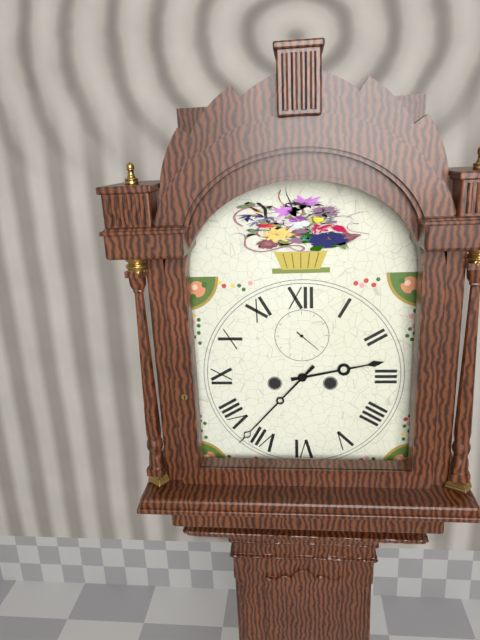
2:37
